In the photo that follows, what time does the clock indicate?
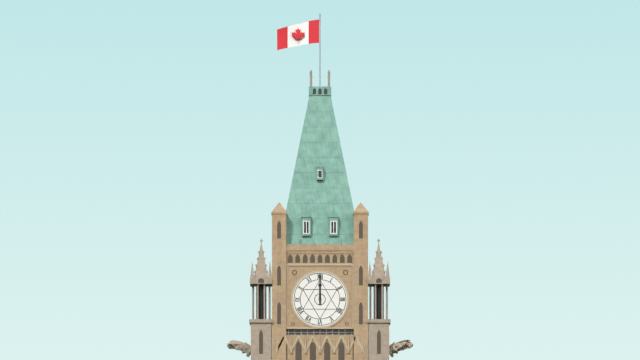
12:00
